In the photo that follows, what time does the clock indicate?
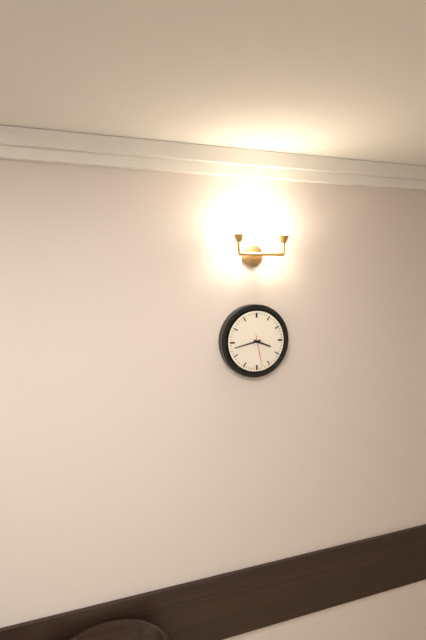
3:43
